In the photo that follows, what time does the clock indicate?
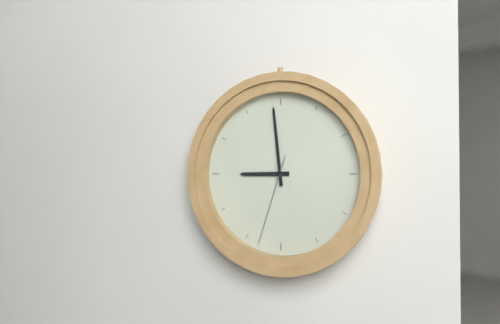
8:59:33
